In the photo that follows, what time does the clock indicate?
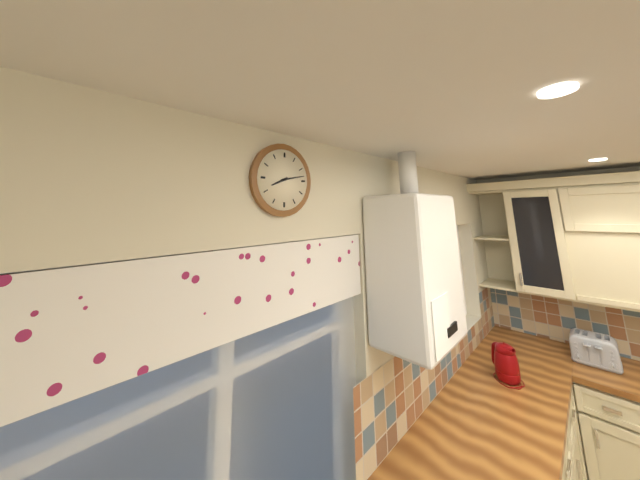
8:13
